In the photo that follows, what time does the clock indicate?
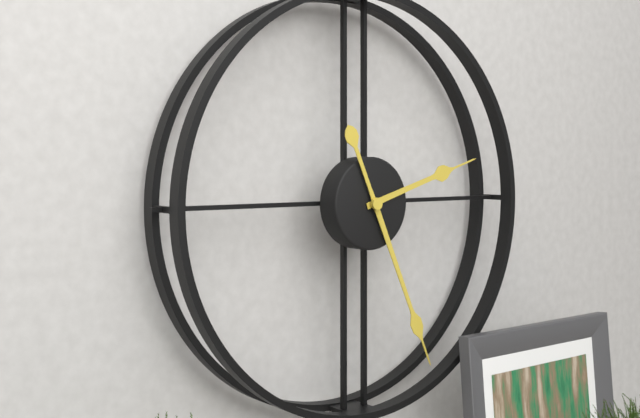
2:26
